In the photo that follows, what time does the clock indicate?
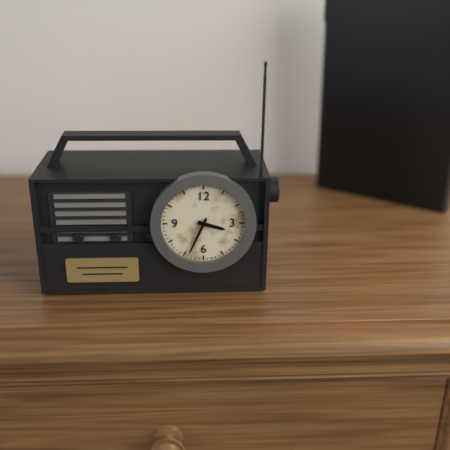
3:34
